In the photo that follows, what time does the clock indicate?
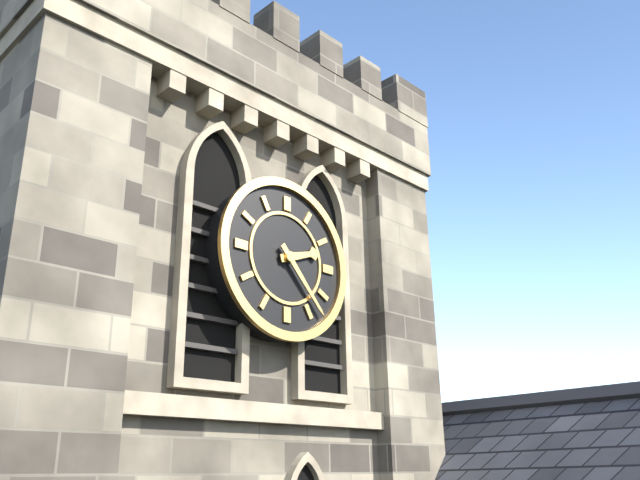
2:23
